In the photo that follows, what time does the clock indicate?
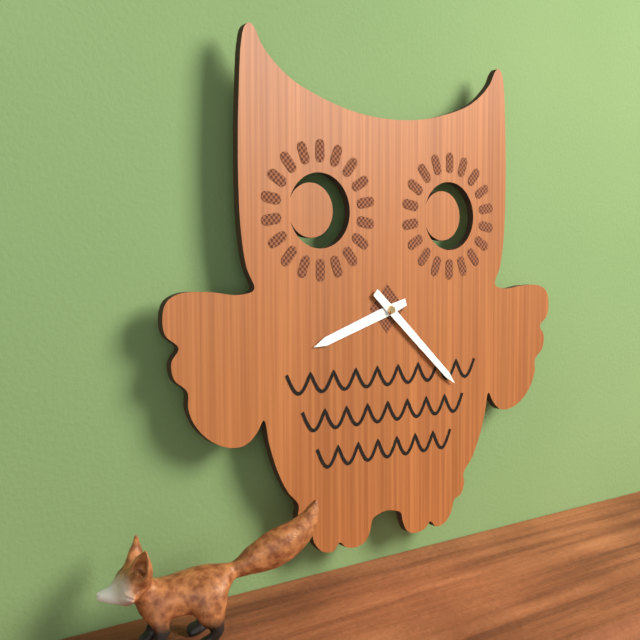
8:22
